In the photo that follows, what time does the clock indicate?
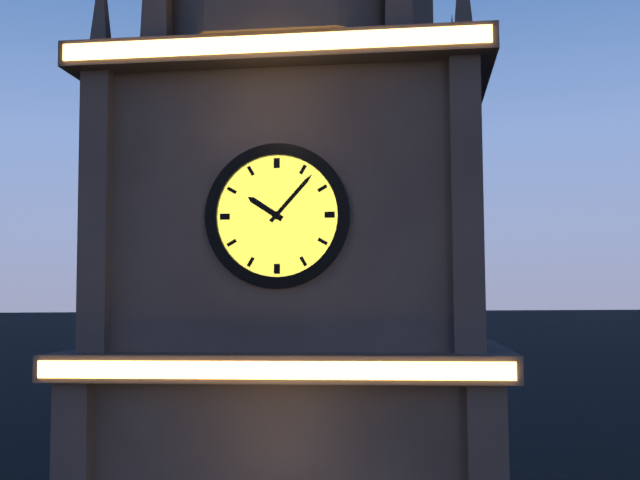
10:07
